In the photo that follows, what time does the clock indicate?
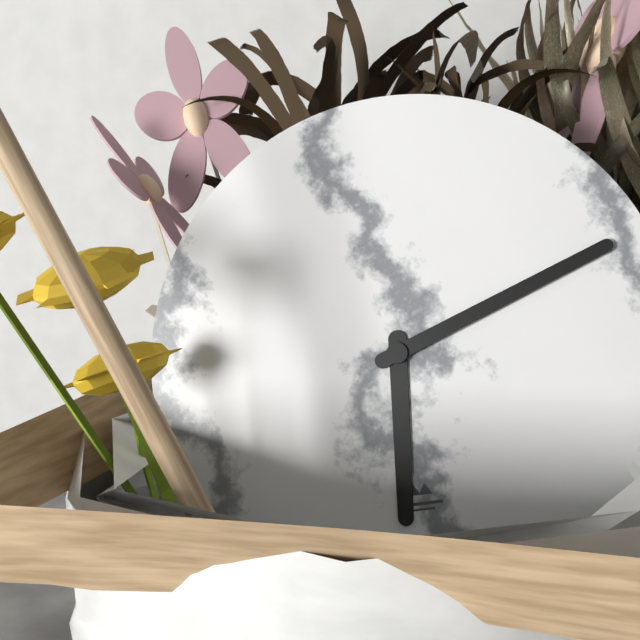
6:12
